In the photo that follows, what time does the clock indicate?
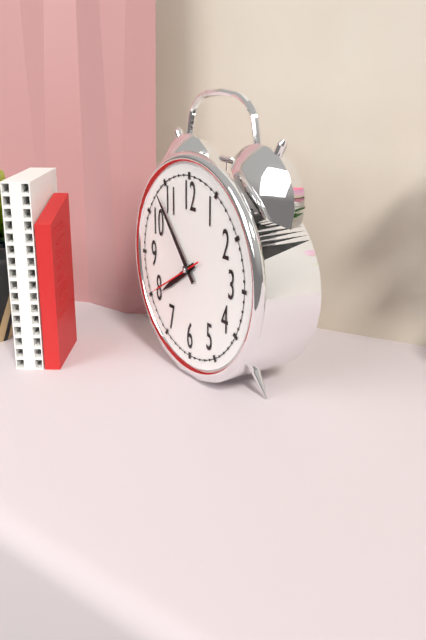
7:53:40
